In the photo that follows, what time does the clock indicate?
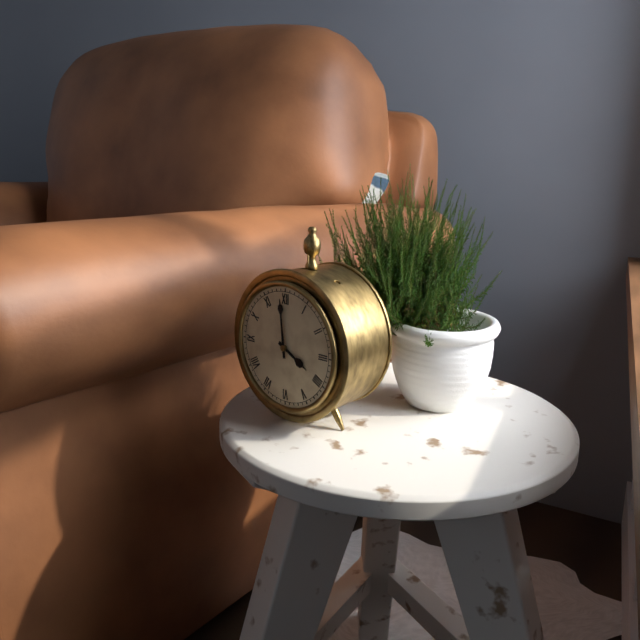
3:59
